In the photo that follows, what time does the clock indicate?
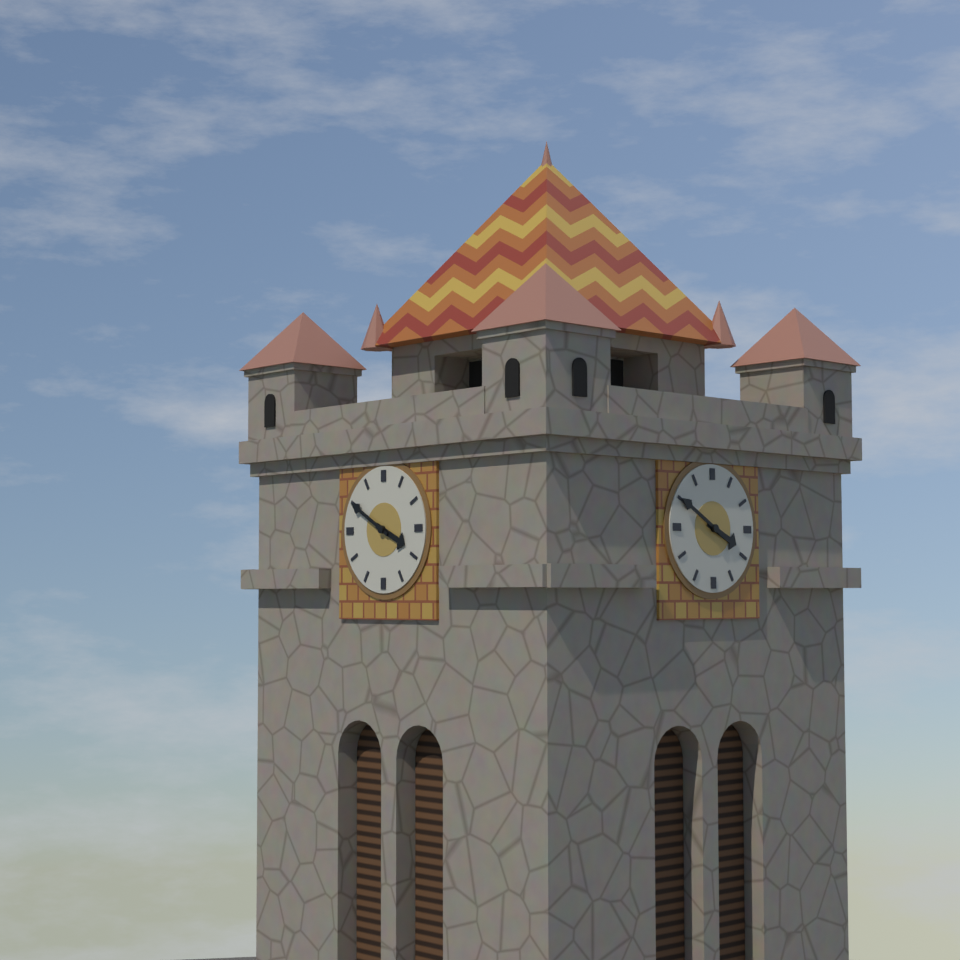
3:50
